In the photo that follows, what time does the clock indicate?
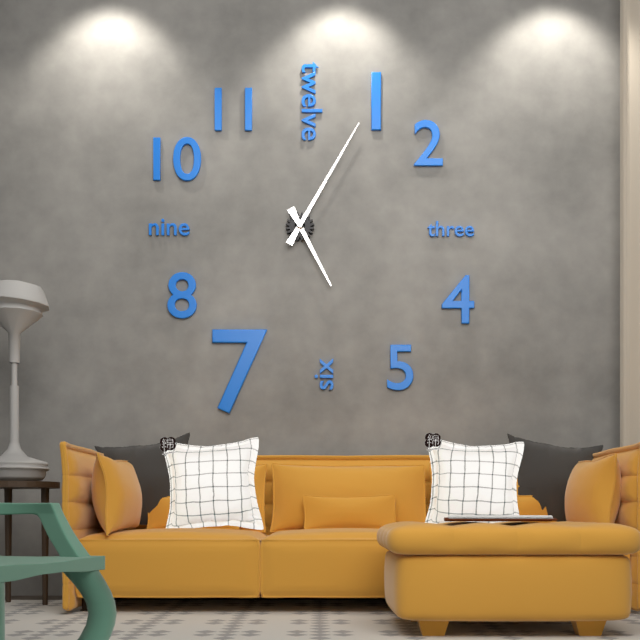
5:05
